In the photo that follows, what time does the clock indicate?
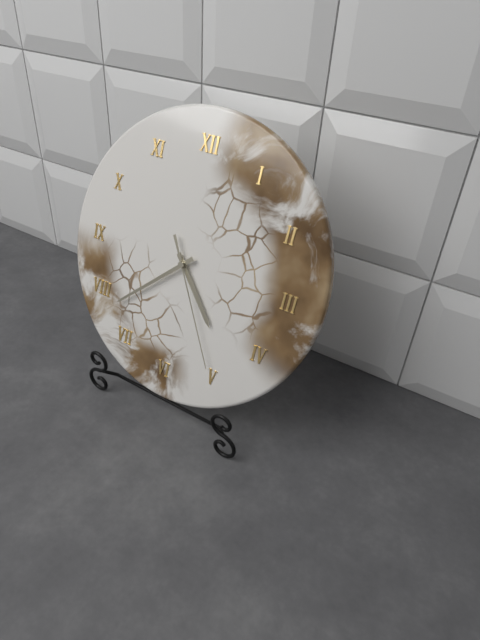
4:38:25
